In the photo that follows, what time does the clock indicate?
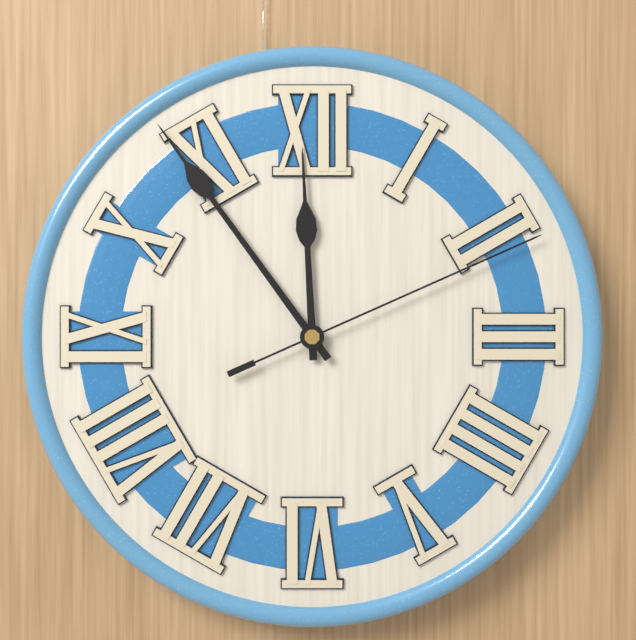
11:54:11
